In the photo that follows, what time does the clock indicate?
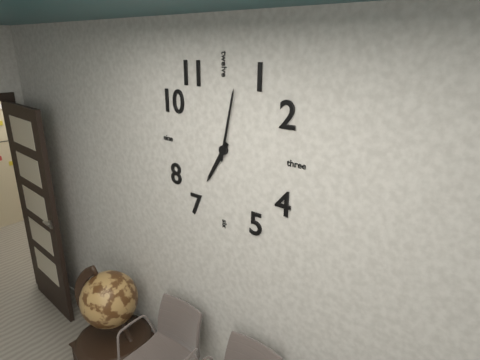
7:02
